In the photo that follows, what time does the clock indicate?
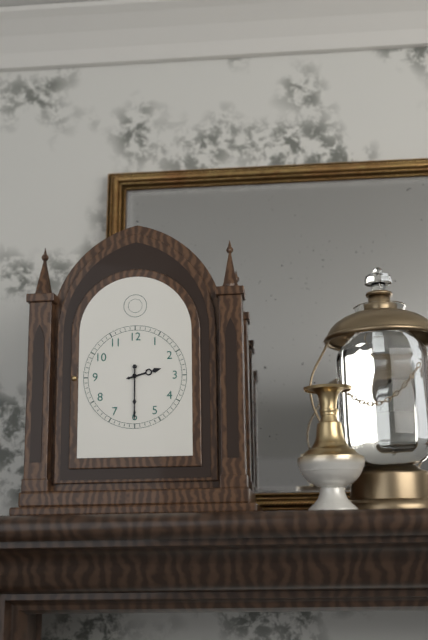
2:30
